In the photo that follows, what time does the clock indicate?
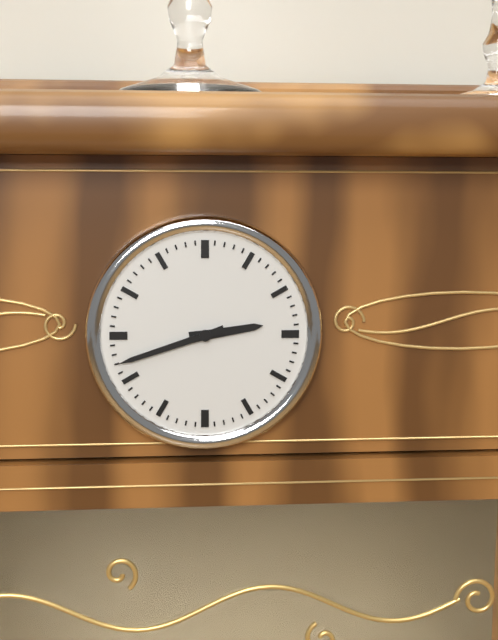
2:42
